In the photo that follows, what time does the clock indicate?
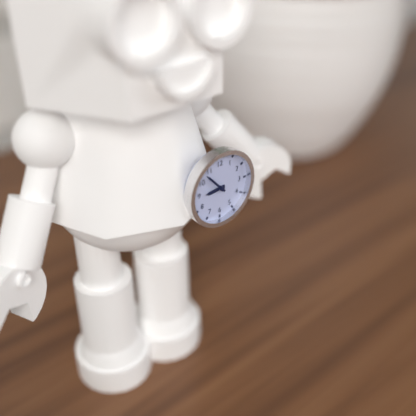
8:53
